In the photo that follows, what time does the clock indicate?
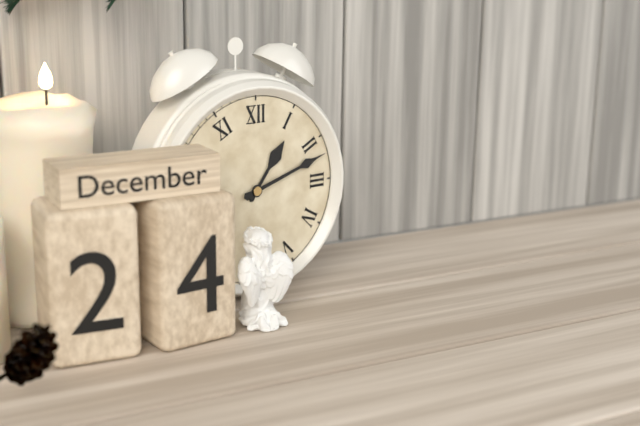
1:12
